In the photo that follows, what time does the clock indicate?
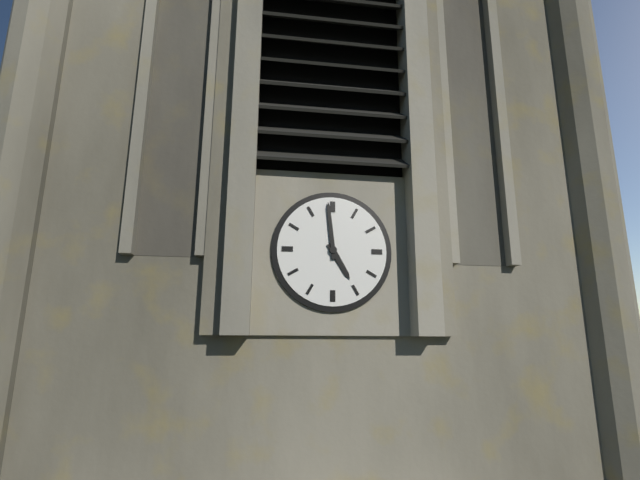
4:59
